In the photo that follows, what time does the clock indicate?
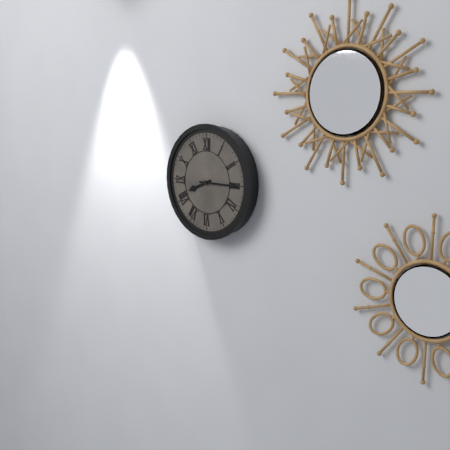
8:15
